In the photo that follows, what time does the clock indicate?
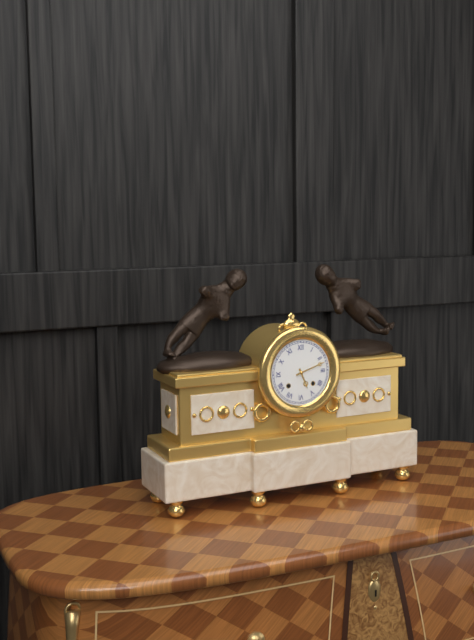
5:12
